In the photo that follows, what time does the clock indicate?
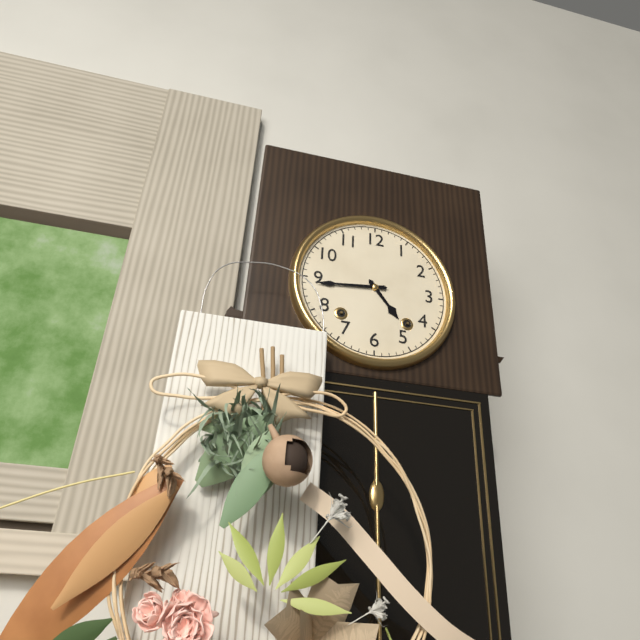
4:44
